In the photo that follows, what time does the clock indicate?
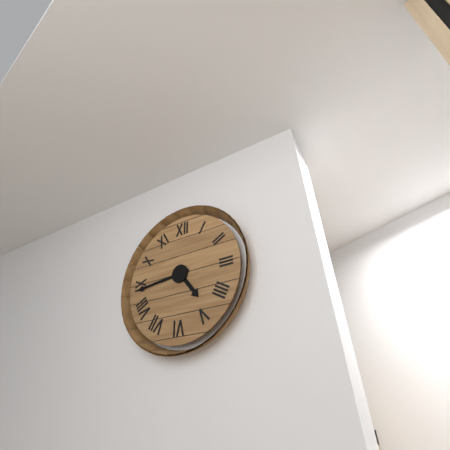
4:44
